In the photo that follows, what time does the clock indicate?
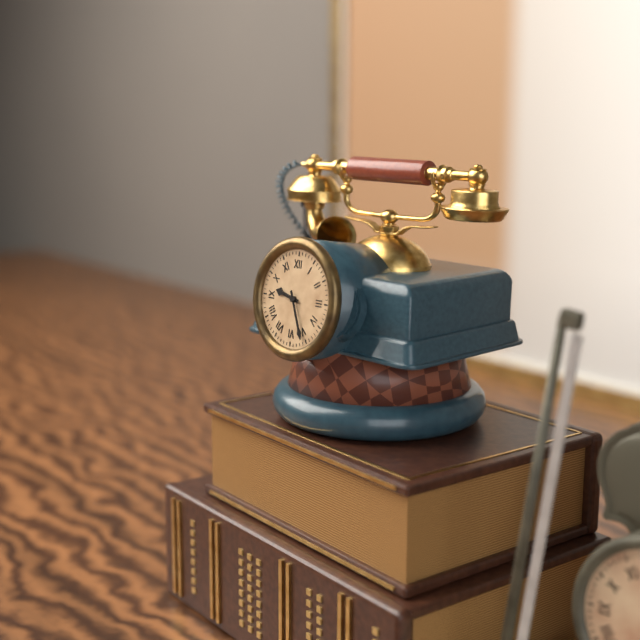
9:26
